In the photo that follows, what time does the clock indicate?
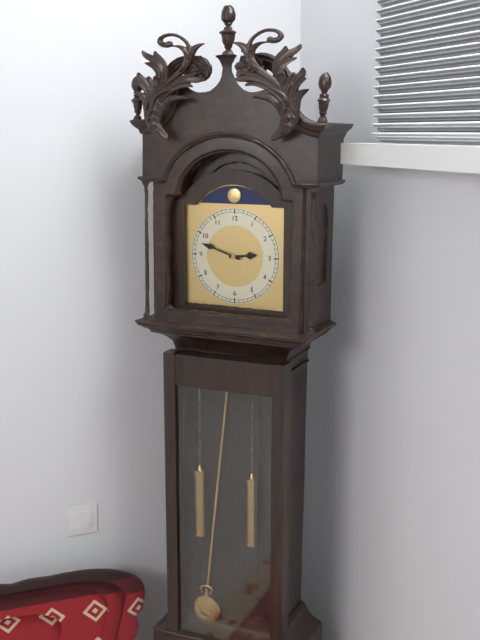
2:48
